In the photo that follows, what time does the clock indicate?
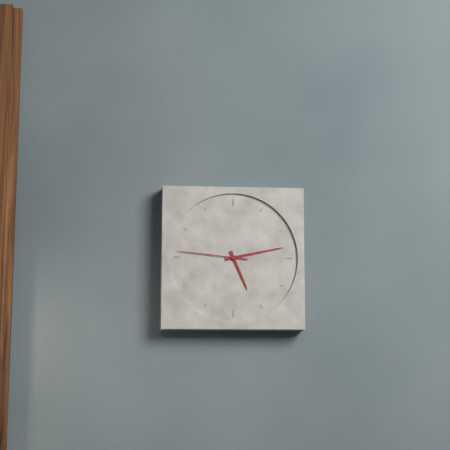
5:13:46
